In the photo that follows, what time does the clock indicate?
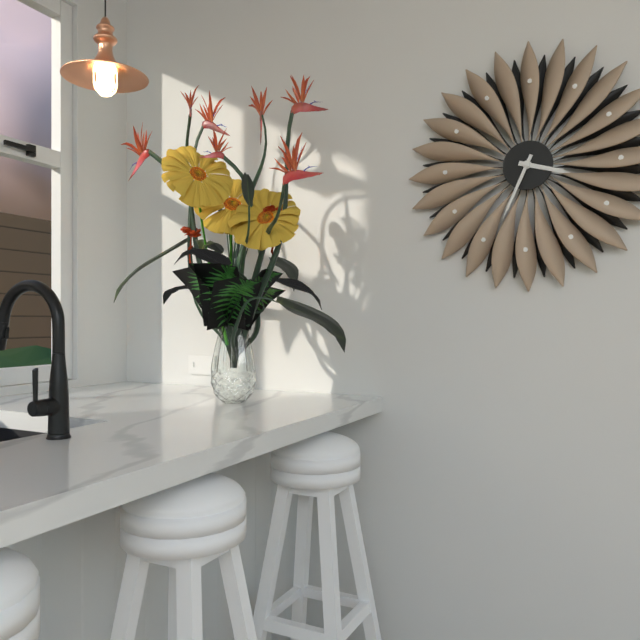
3:34
